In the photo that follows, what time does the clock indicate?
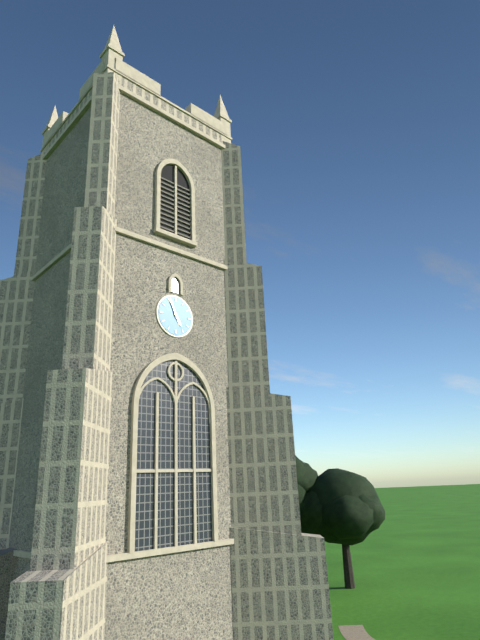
4:56
